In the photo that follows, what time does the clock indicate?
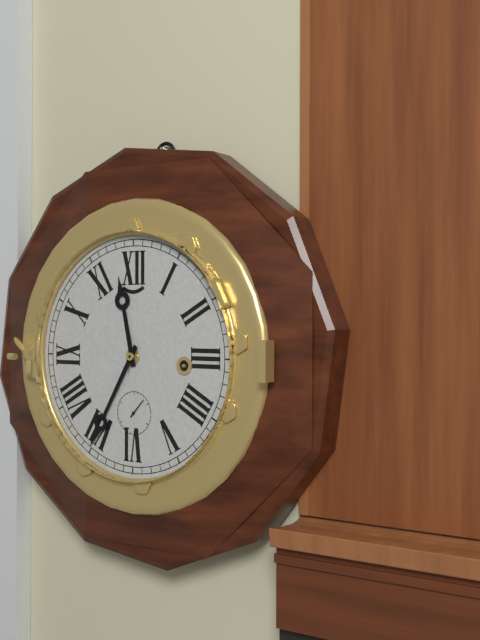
11:35
